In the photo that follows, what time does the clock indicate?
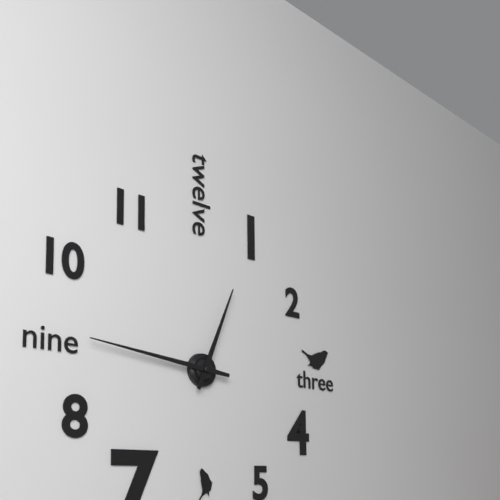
12:46
